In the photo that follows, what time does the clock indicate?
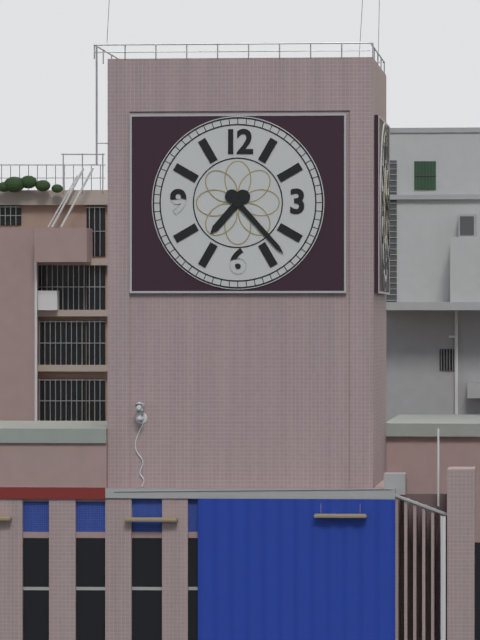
7:23
